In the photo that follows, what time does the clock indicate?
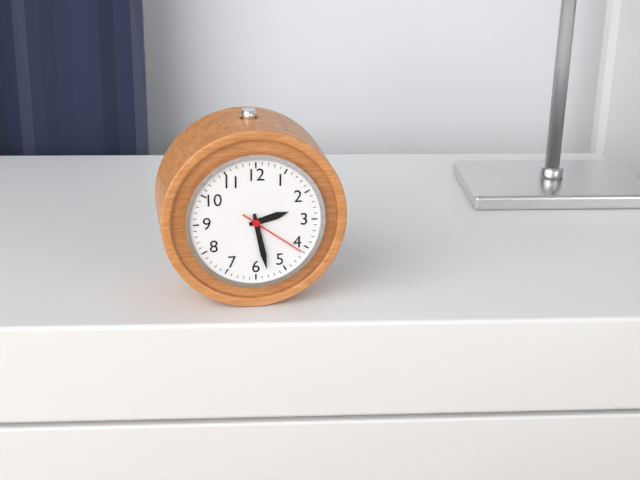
2:28:21
